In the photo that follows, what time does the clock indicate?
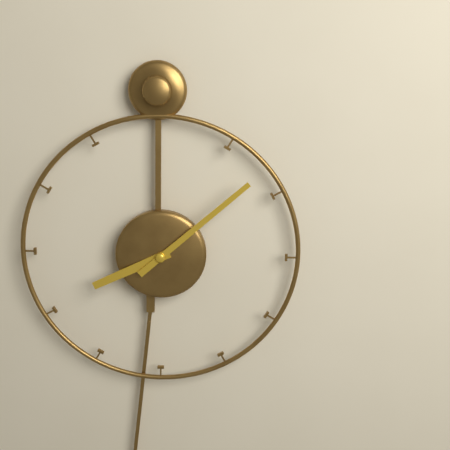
8:08
